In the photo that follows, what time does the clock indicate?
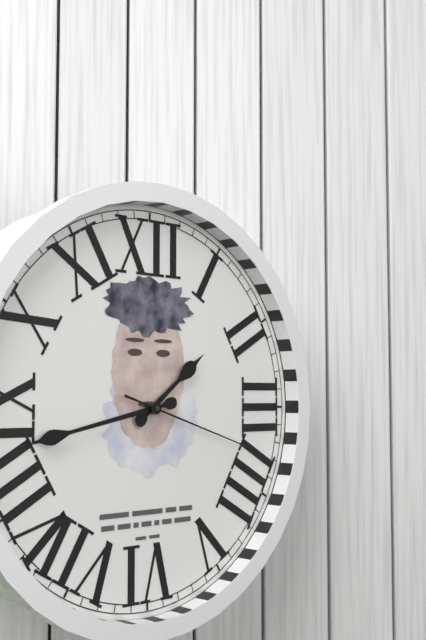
1:43:18
